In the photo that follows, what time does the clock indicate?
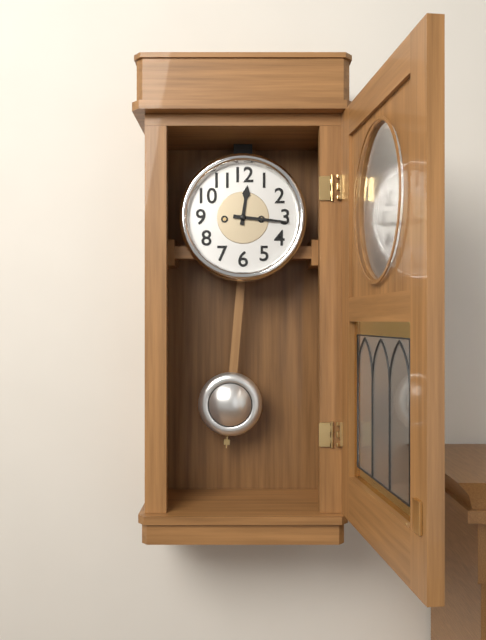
12:16
